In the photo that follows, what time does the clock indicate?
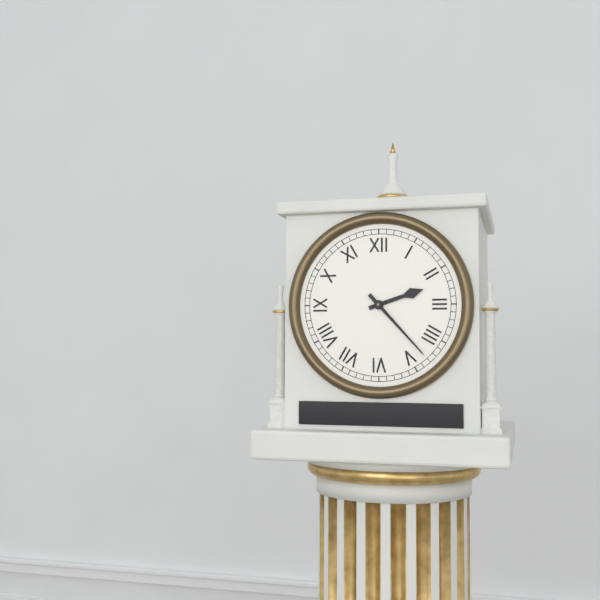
2:23
